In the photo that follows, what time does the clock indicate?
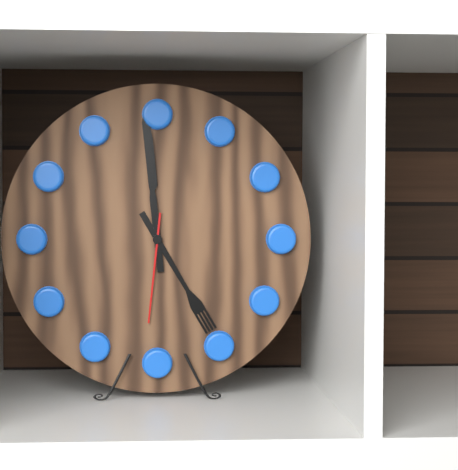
4:59:31
